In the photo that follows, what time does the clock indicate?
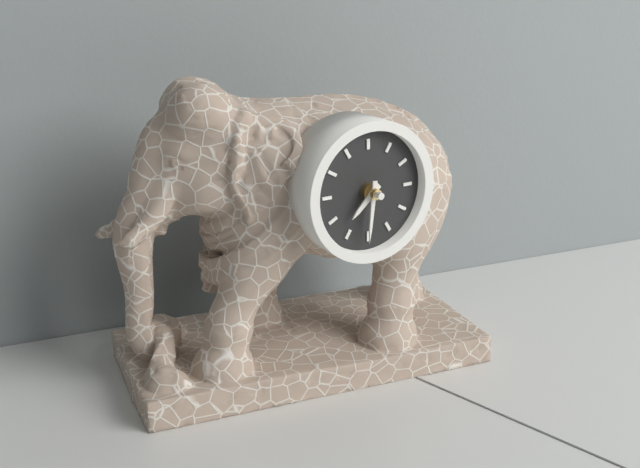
7:31
